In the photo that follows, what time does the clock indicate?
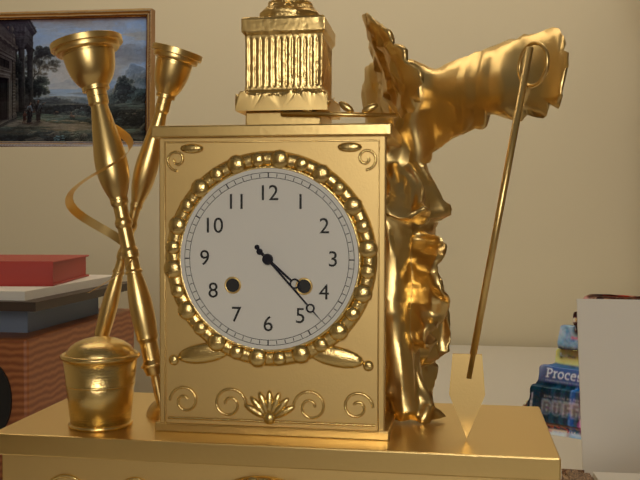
4:23
